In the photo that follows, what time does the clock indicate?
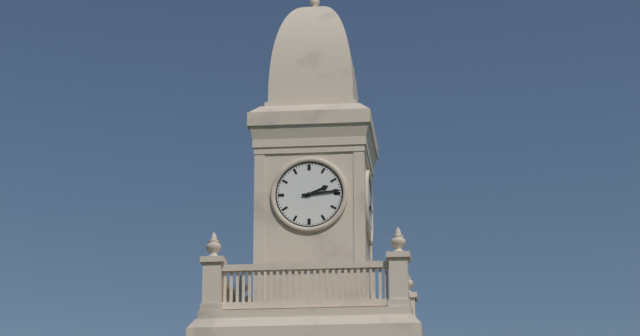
2:14
